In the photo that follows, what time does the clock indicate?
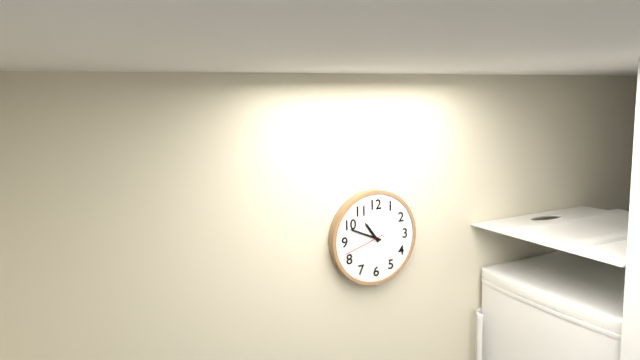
10:49
